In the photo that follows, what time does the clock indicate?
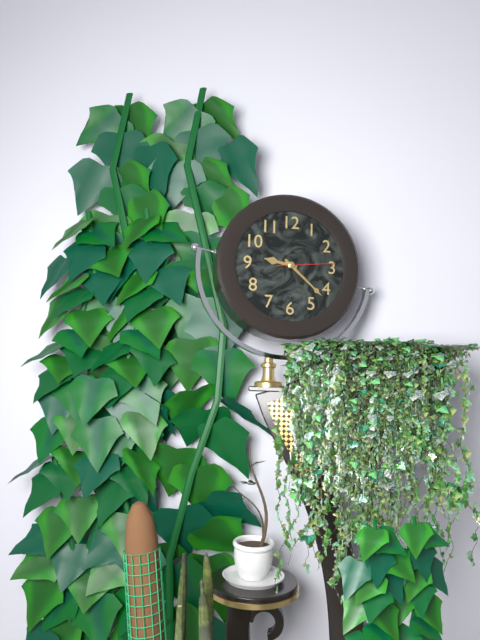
9:22:14
